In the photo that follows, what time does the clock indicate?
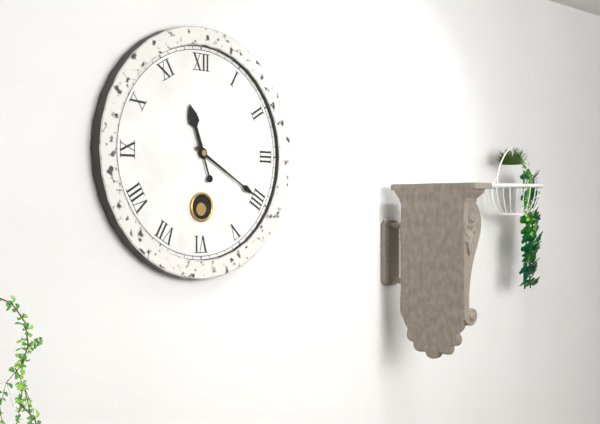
11:20
